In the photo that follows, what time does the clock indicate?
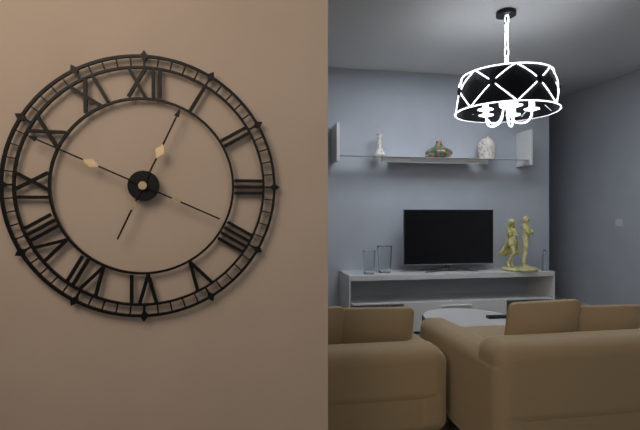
12:49
